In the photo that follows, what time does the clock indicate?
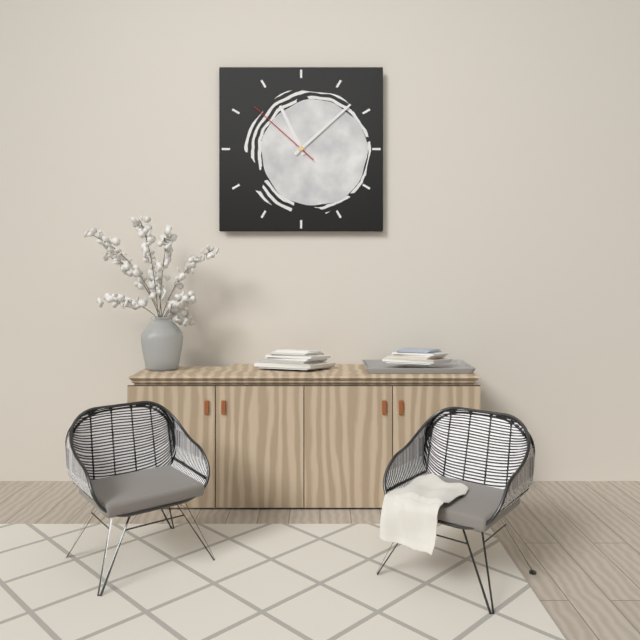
11:08:52
